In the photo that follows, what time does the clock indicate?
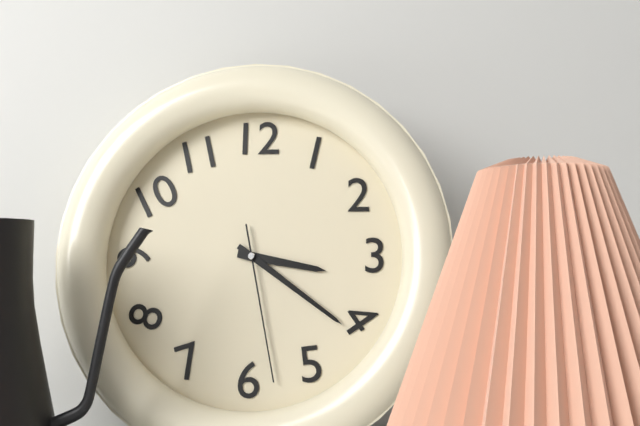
3:21:28
